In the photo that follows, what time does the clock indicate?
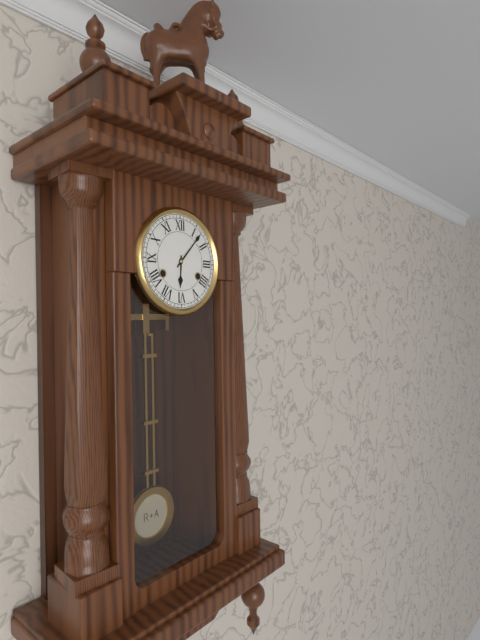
6:07
